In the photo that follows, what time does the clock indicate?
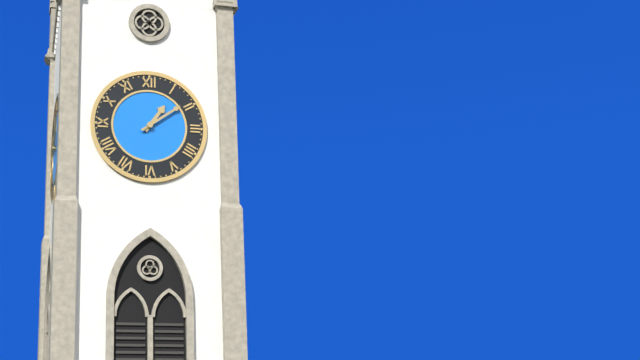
1:09
